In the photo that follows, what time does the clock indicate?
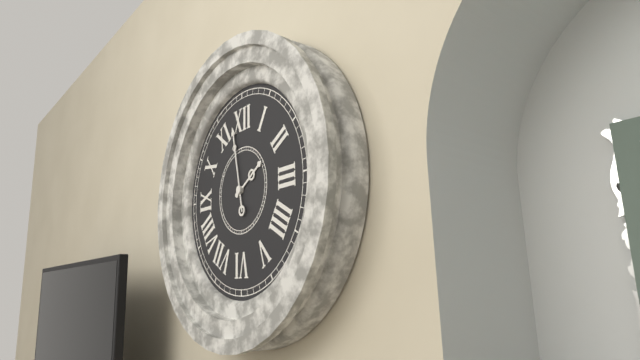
1:58
